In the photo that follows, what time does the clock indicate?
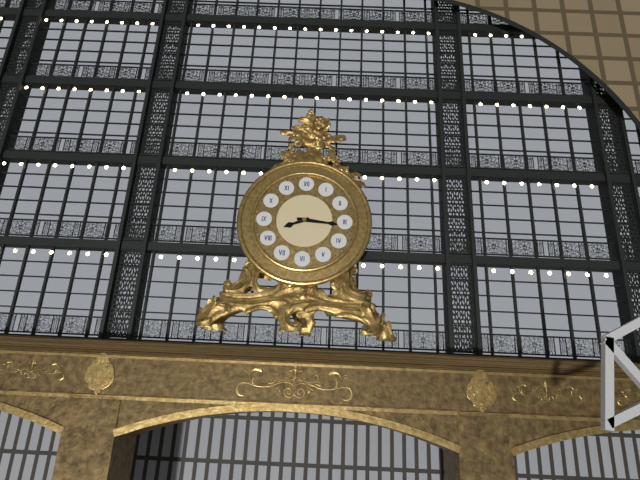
8:16
